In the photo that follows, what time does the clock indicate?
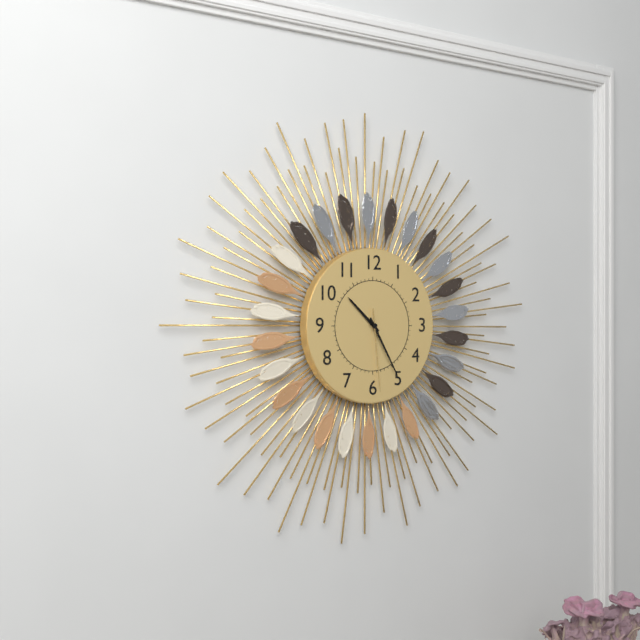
10:25:29
